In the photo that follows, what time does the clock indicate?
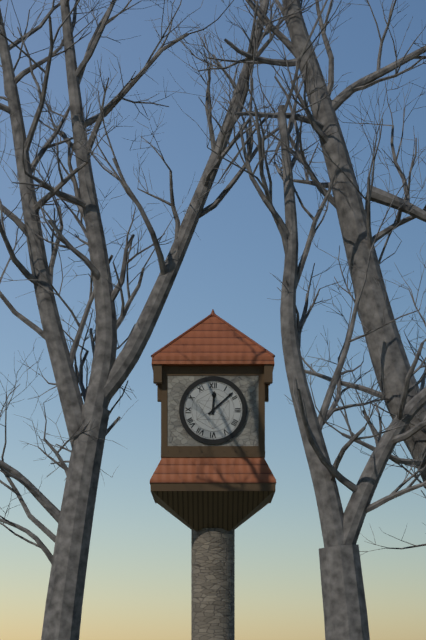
12:08
